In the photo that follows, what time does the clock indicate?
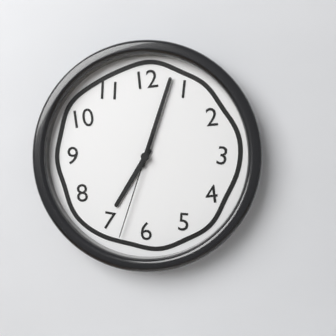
7:03:33
